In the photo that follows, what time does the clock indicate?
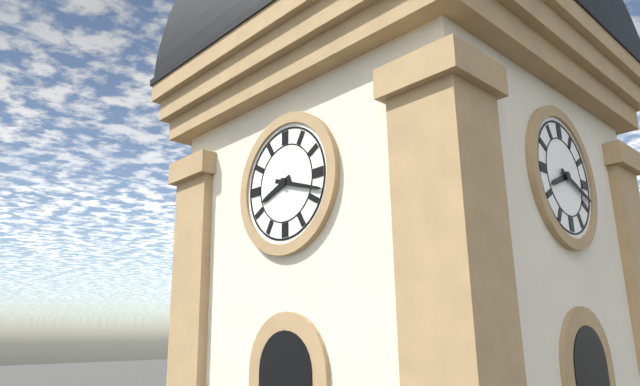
8:18
